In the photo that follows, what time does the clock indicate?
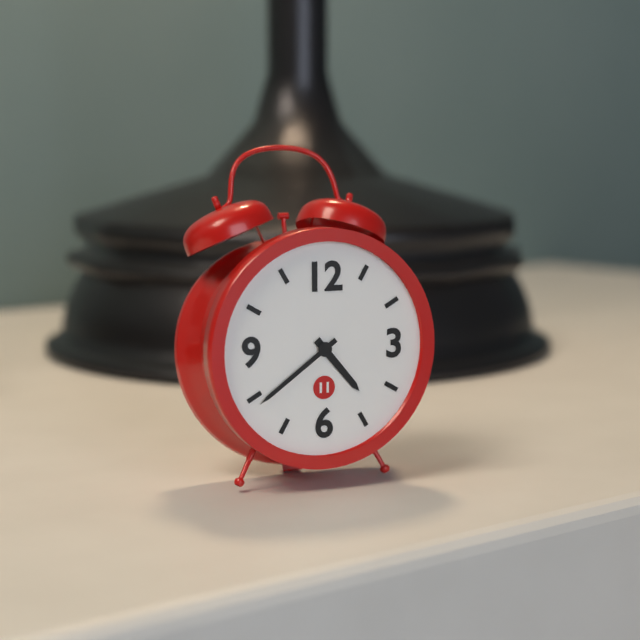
4:39
